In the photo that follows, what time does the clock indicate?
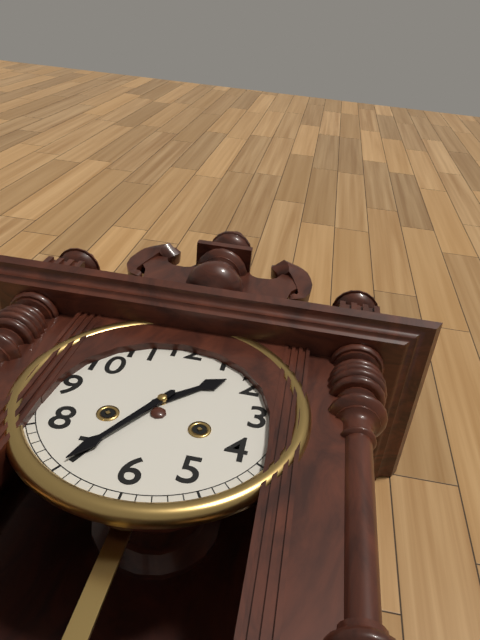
1:35
